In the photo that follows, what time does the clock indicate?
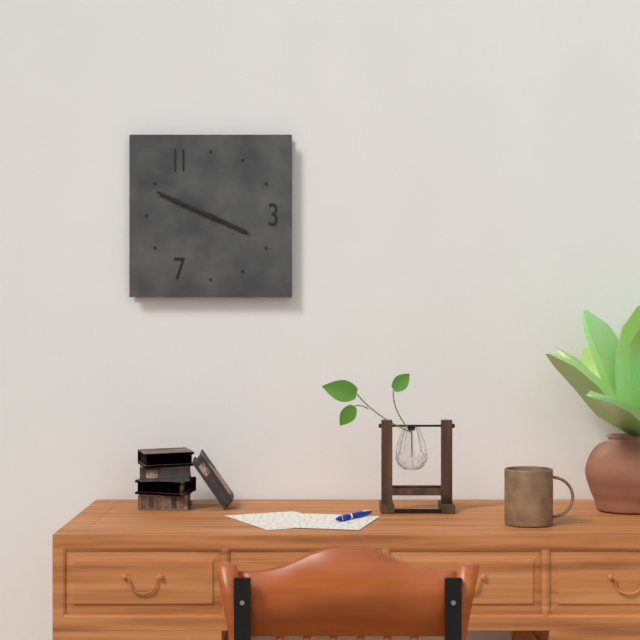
3:49
